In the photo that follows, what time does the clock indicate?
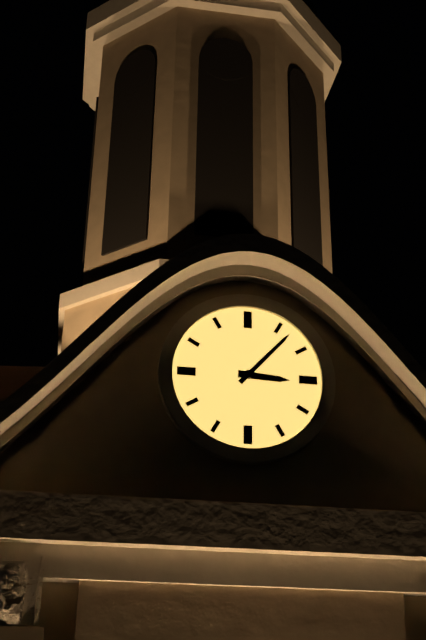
3:07
